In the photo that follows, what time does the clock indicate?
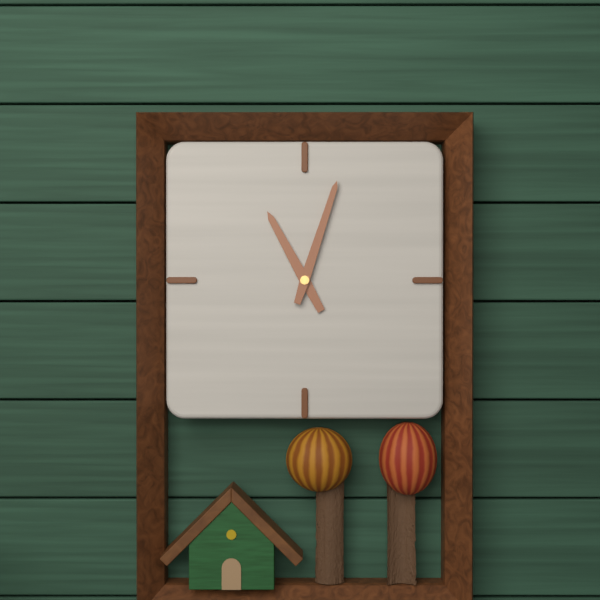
11:03
